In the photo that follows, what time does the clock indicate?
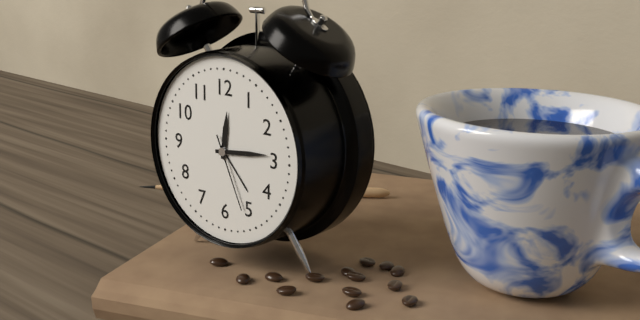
12:14:26
